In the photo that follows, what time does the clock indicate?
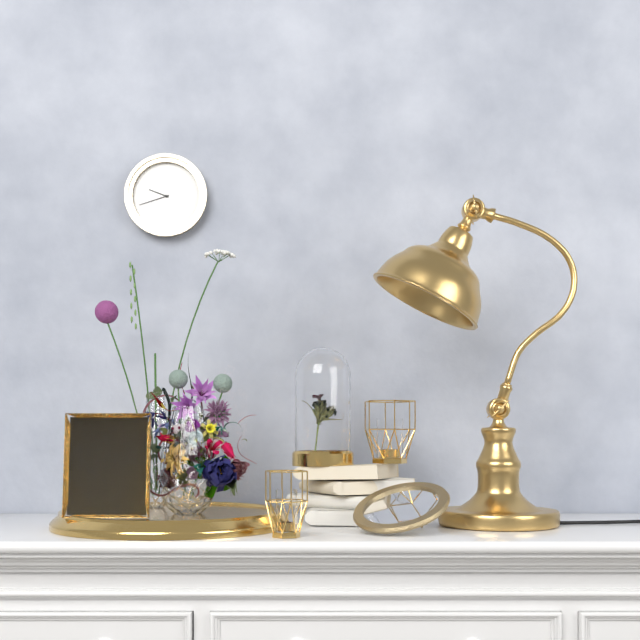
9:42
